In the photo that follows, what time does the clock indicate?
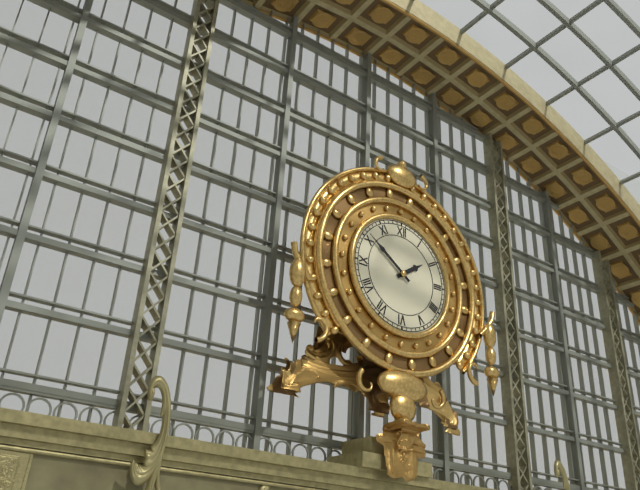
1:51
